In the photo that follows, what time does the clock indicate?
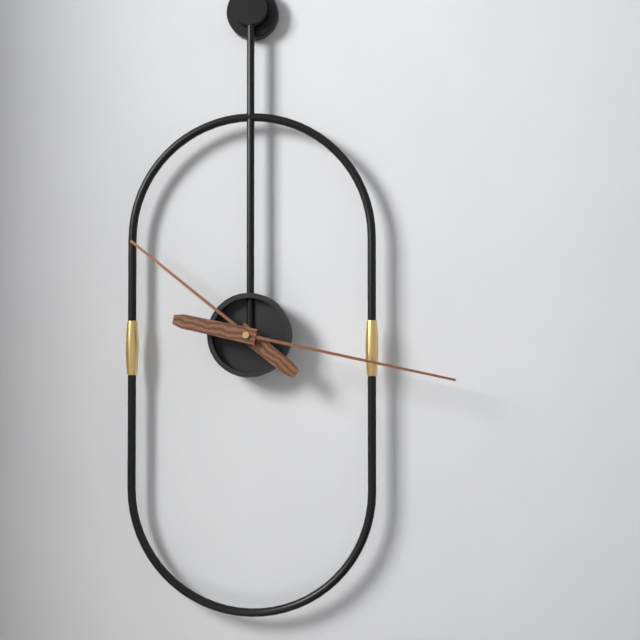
10:17
